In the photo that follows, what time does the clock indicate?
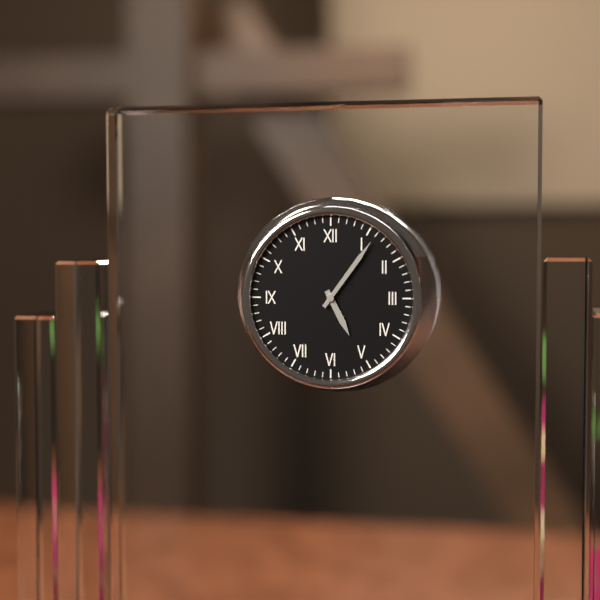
5:06
